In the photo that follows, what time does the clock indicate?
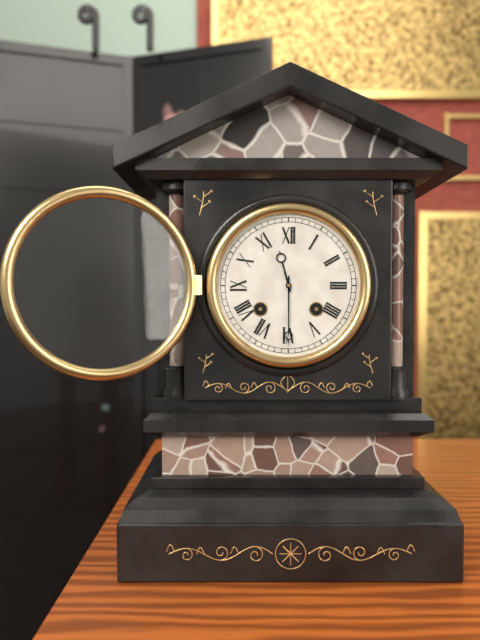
11:30
